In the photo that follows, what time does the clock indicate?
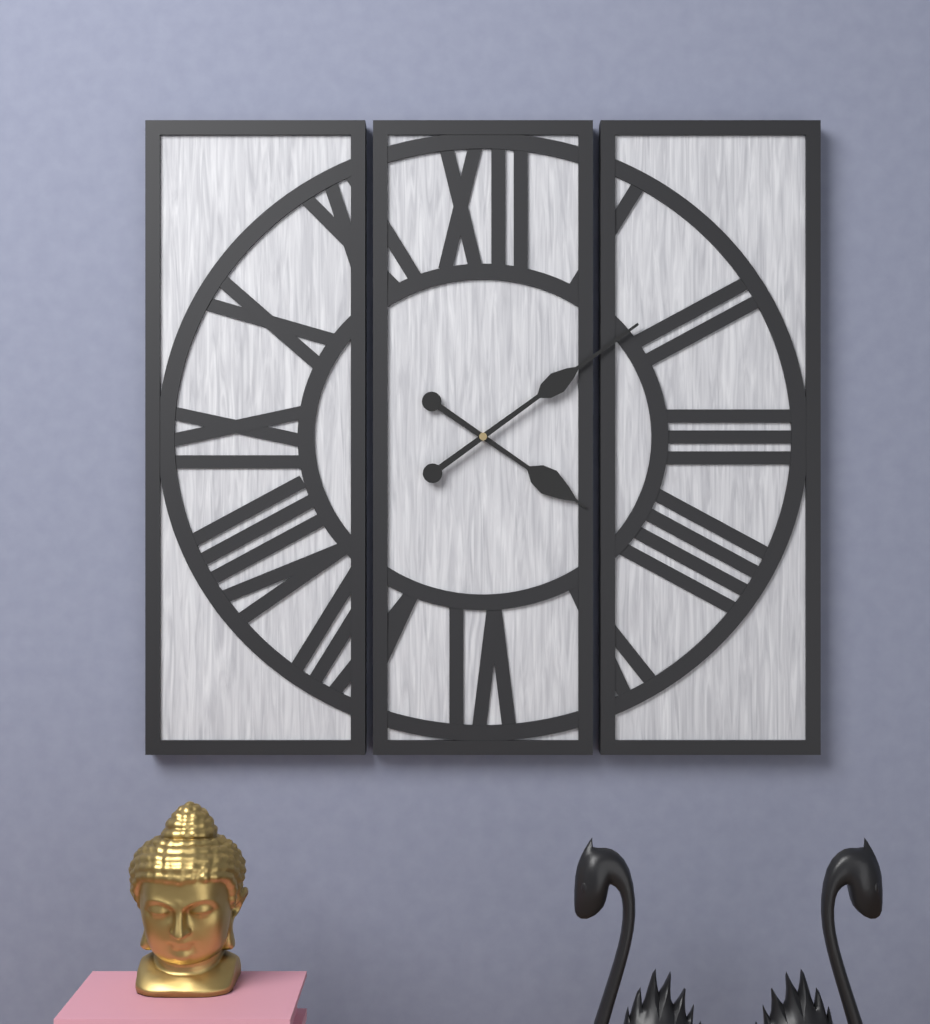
4:09
